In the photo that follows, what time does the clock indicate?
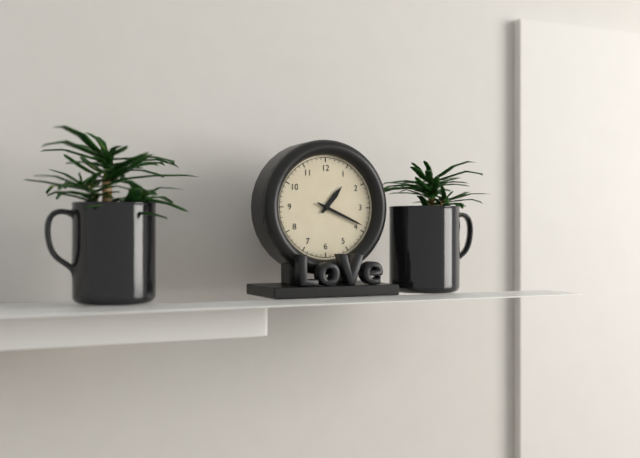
1:19
